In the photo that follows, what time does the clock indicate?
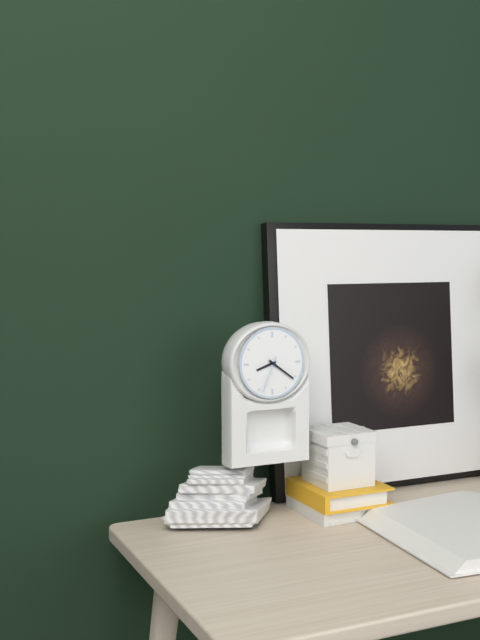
8:21
